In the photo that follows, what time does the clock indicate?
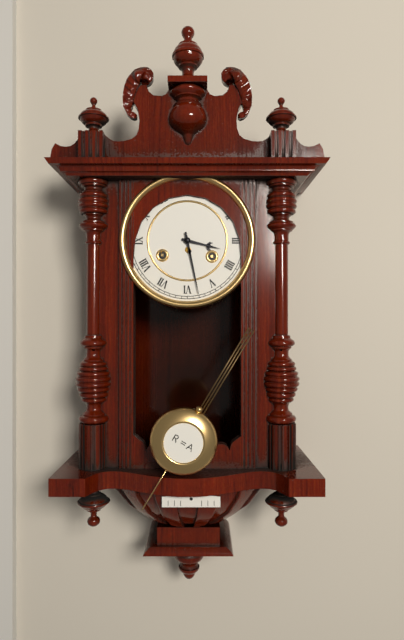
3:28
